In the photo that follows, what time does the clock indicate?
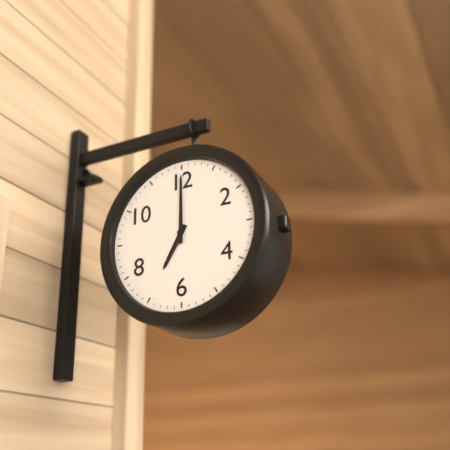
7:00
